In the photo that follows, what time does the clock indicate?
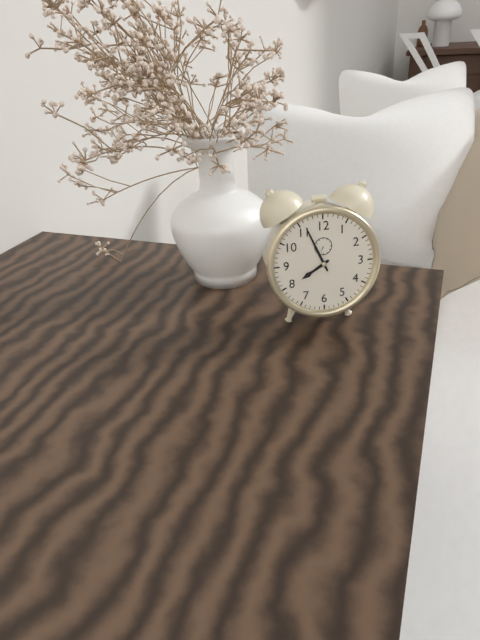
7:56
